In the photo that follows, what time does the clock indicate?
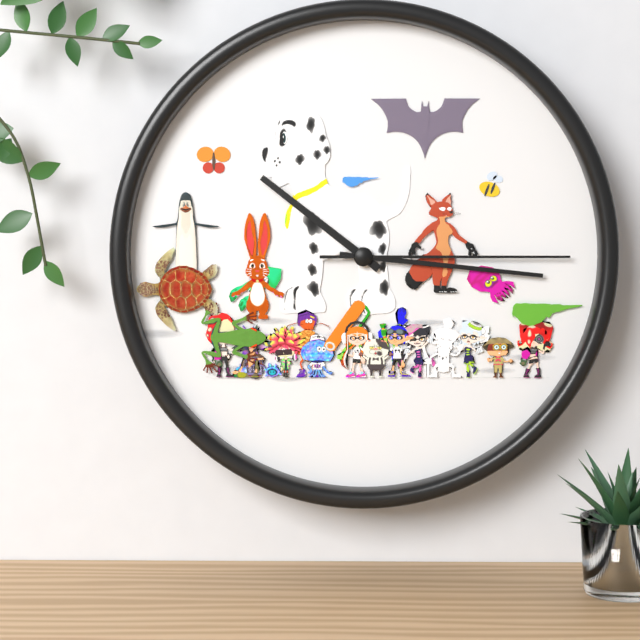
10:16:15
